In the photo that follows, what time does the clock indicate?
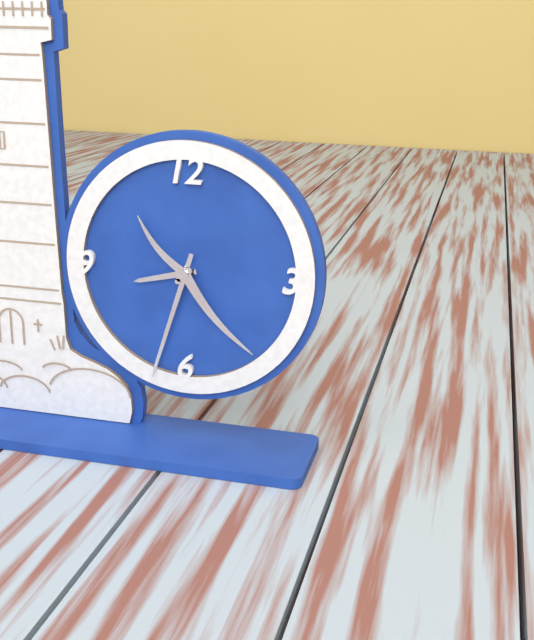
8:33:23
